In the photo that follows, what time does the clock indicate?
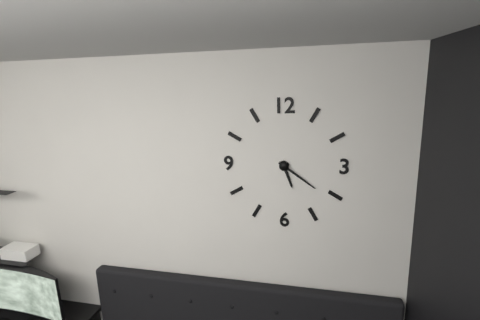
5:21
